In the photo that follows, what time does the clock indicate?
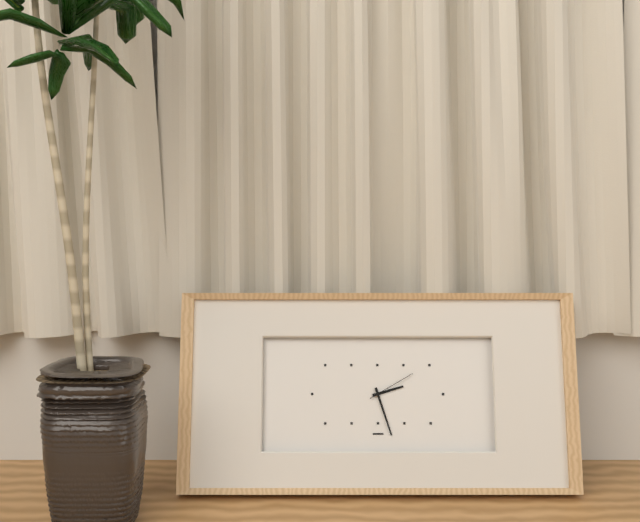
2:27:10
